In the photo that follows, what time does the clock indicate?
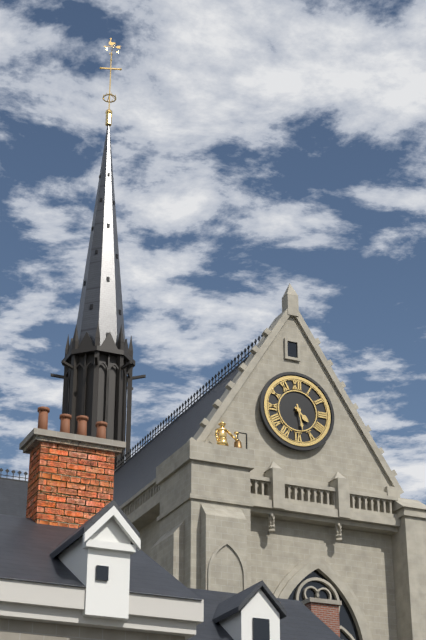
4:28
